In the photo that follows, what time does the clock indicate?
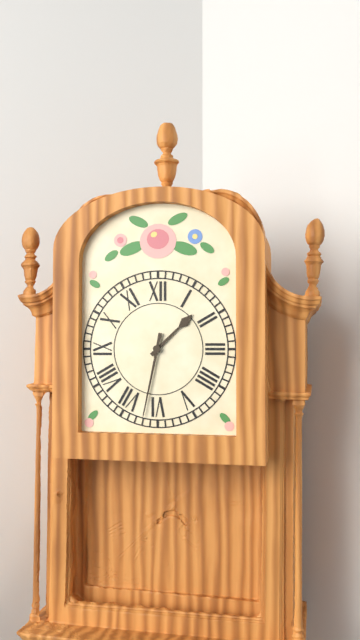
1:32
